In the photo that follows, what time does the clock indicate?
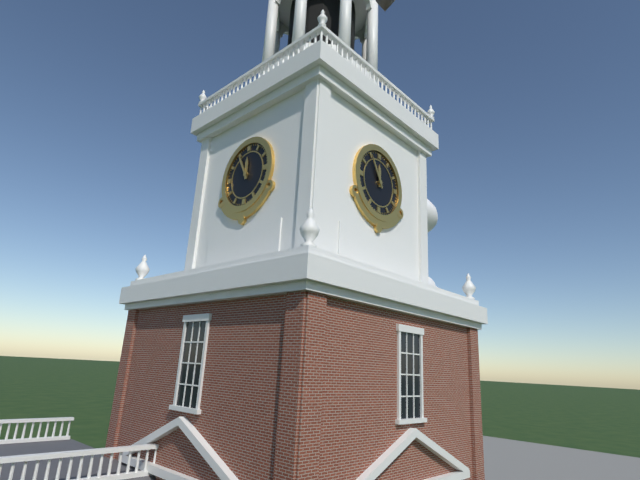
11:55
